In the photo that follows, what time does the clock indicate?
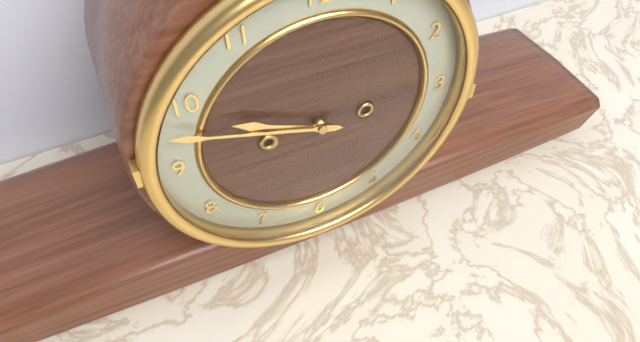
9:48
